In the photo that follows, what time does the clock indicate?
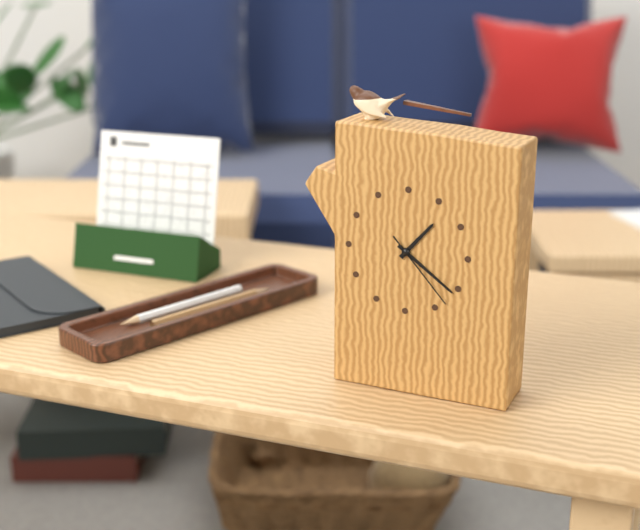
1:21:23
